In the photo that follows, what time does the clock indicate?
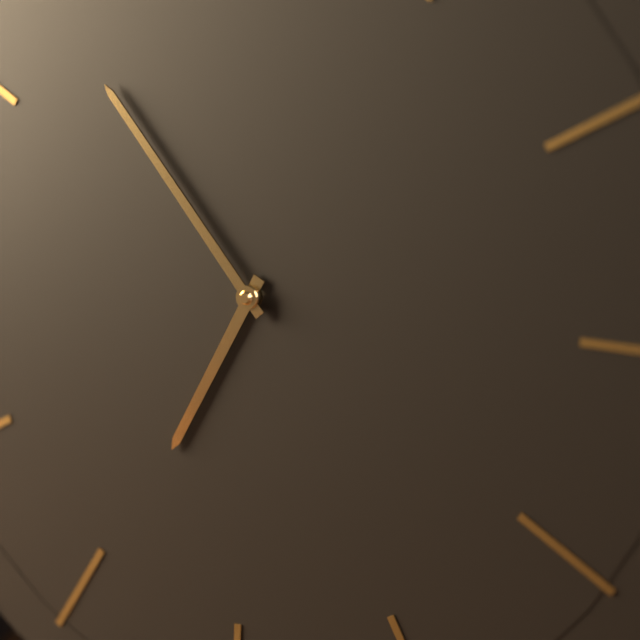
6:53
